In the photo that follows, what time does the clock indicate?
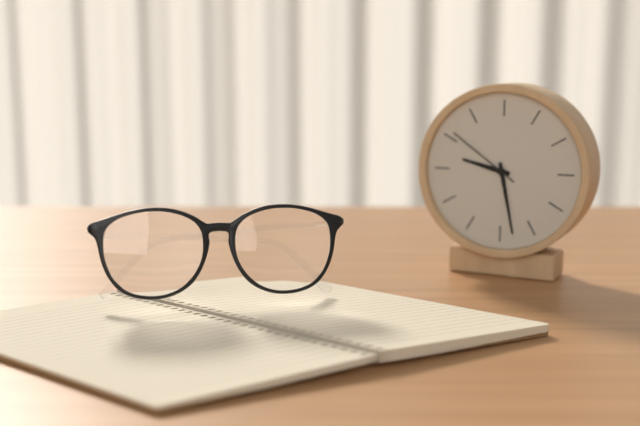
9:28:51
